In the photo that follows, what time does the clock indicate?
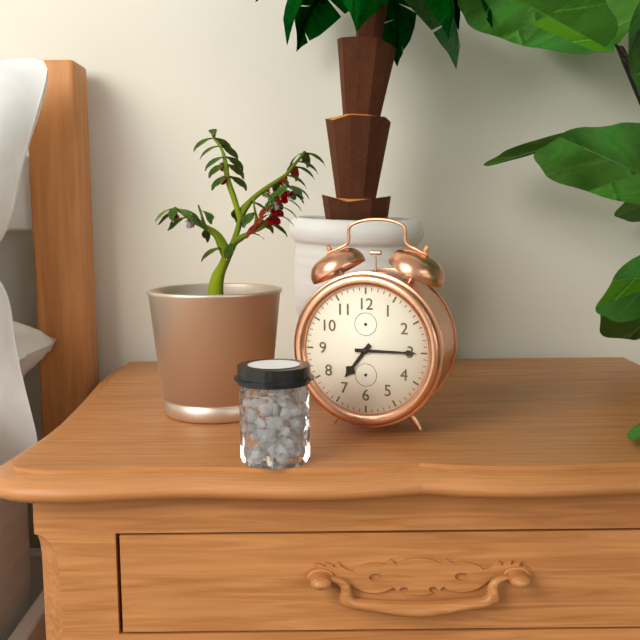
7:15
